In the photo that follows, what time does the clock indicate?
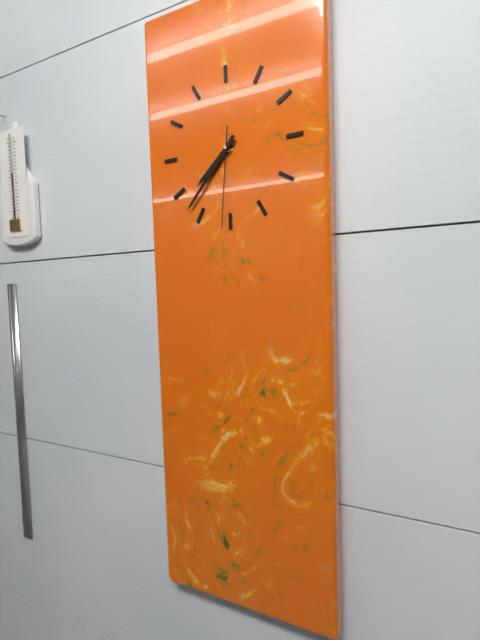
7:37:31
